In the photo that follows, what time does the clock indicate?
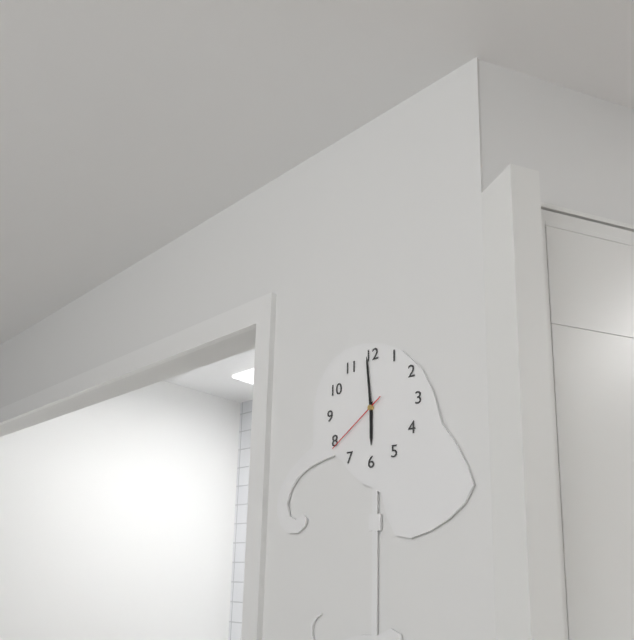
5:59:39
